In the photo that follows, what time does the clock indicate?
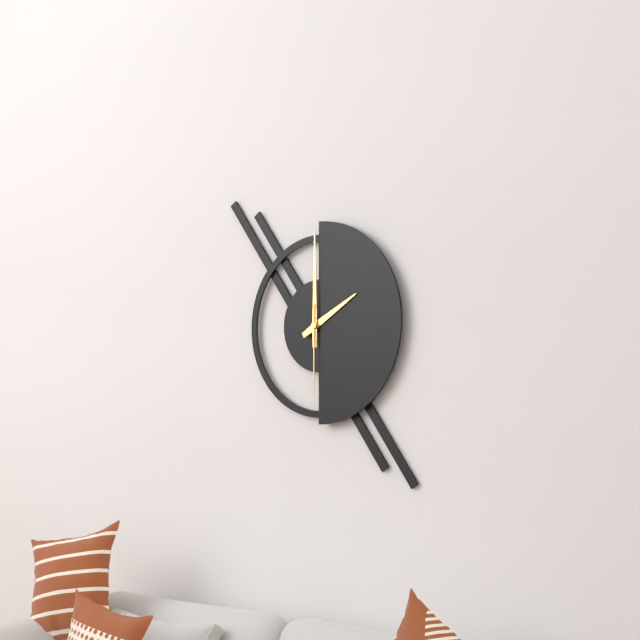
2:00:30
